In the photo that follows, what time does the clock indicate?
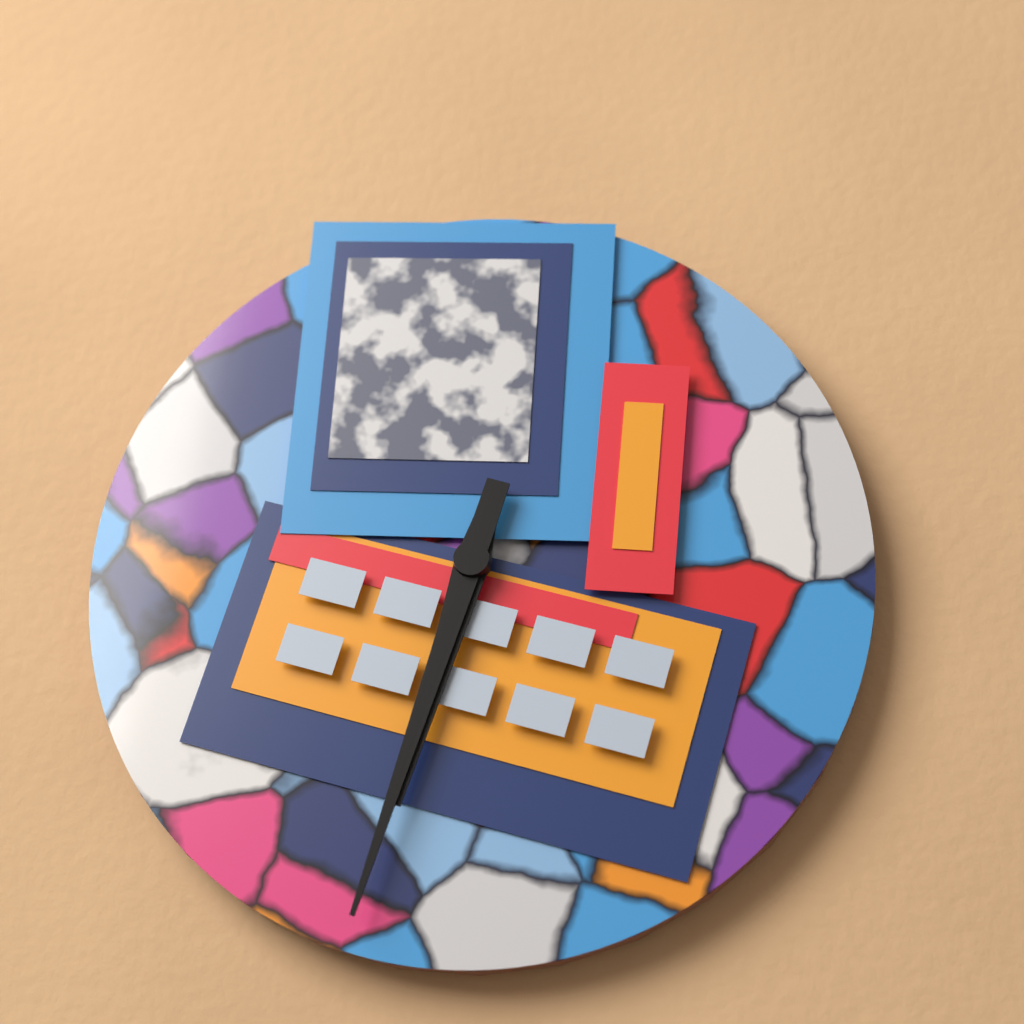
6:33
